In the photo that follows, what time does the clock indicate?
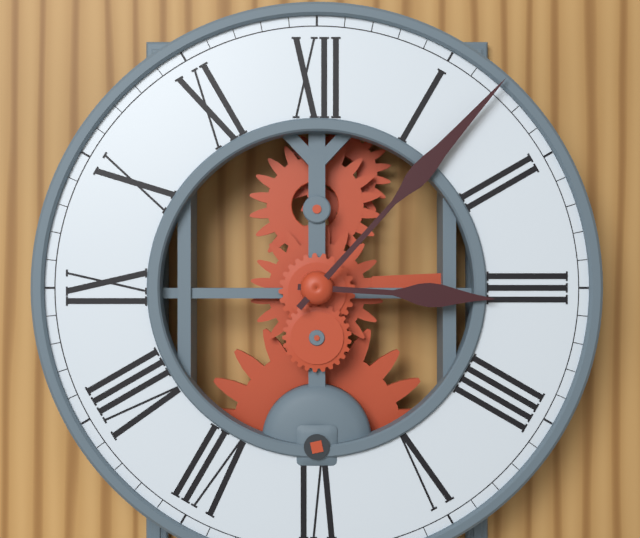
3:07
